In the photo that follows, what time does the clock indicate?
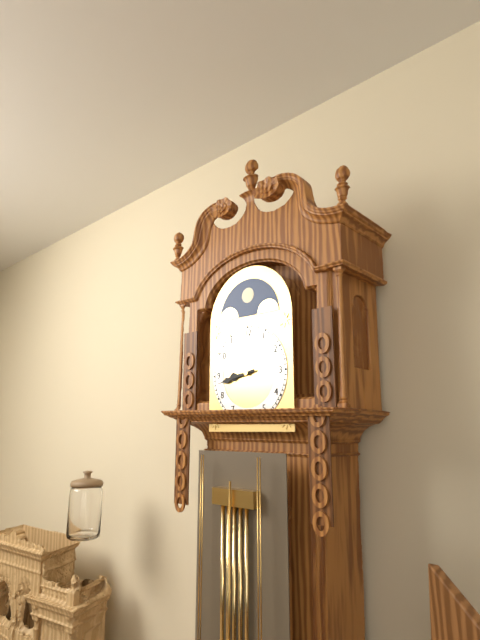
8:43
